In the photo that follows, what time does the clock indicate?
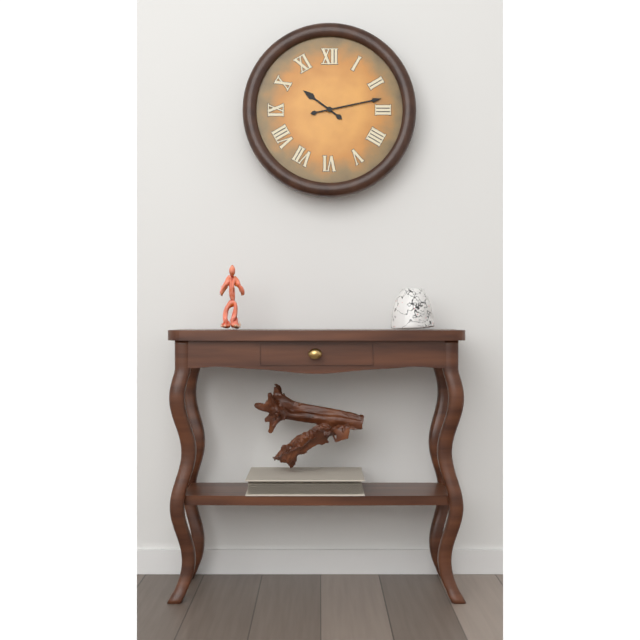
10:13
